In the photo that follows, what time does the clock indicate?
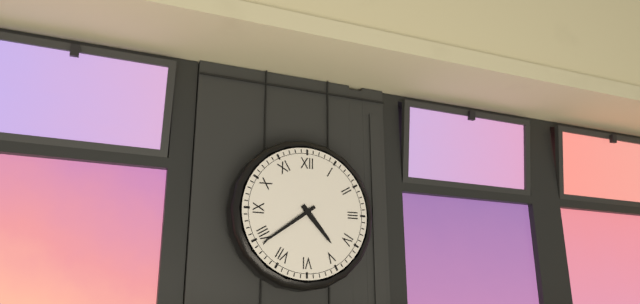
4:39
